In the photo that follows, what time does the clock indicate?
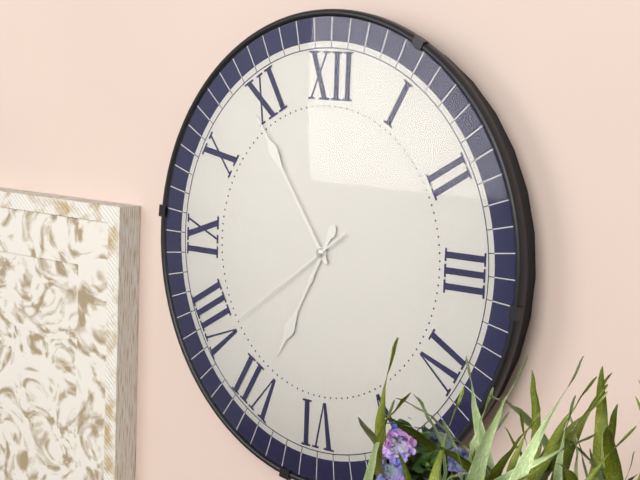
6:54:39
